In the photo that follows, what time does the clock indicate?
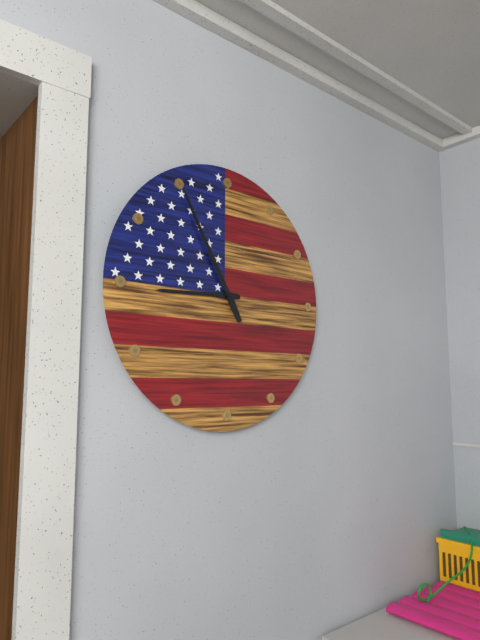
8:55
